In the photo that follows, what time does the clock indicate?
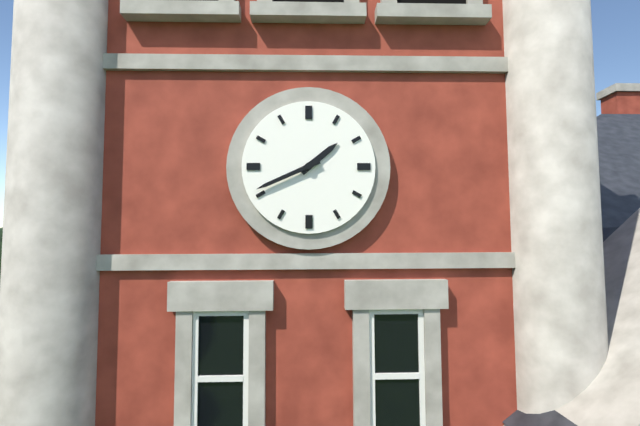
1:41
